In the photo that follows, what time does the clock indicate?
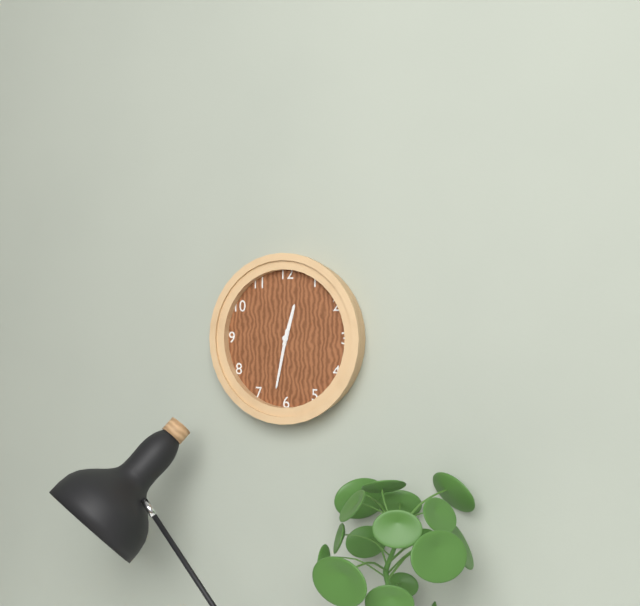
12:32
